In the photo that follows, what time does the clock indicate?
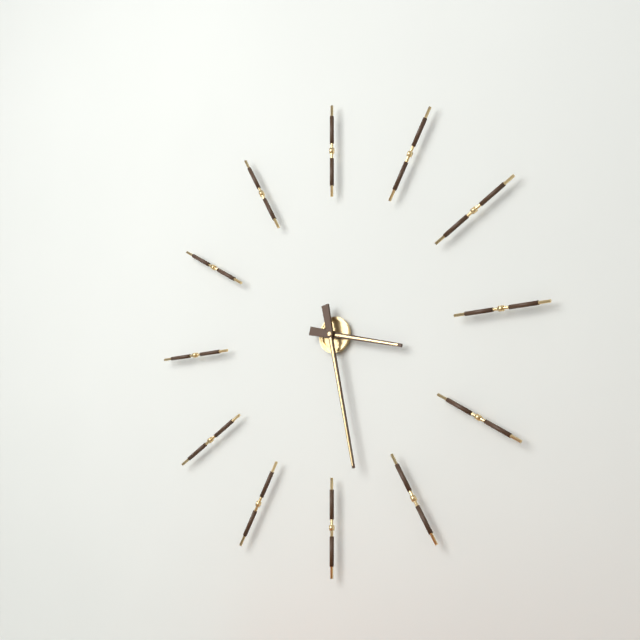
3:28
